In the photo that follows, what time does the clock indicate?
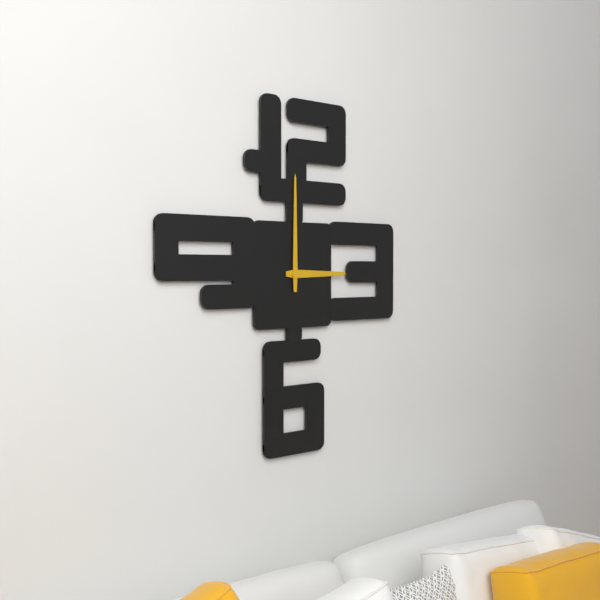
3:00
